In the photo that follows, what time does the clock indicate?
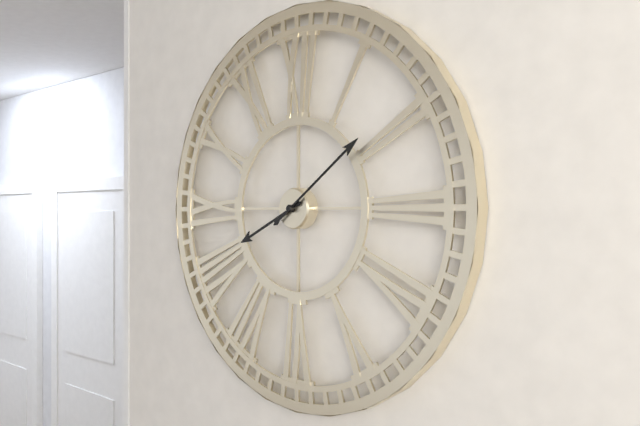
8:09
